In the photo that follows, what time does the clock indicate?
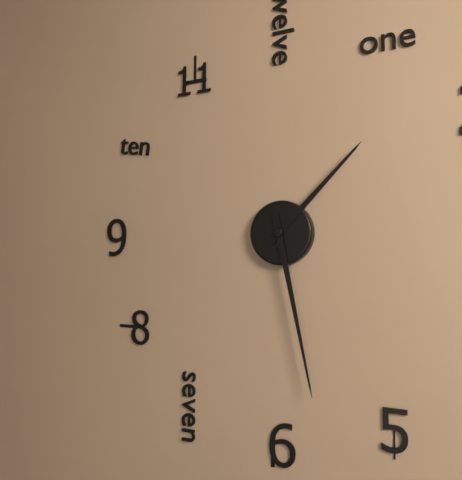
1:28
